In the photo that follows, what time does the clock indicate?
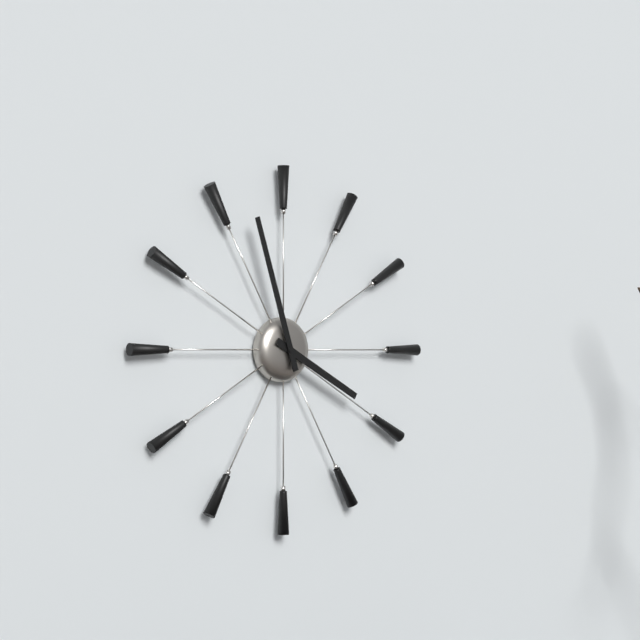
3:57
